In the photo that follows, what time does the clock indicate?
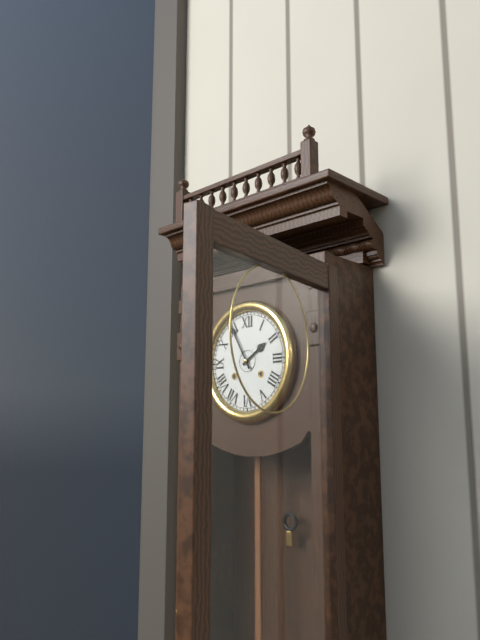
1:55
